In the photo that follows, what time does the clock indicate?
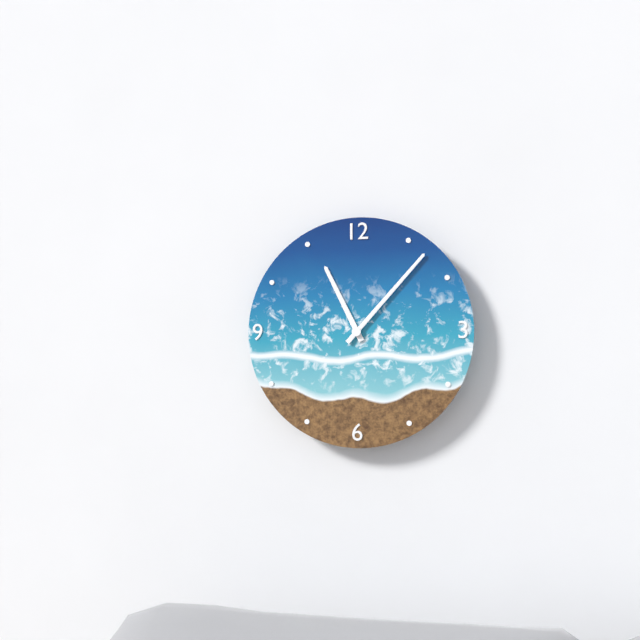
11:07
